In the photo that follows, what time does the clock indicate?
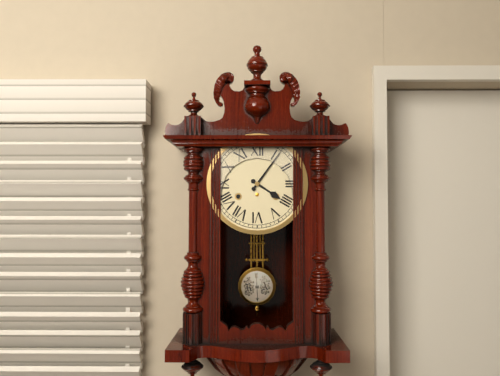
4:06
